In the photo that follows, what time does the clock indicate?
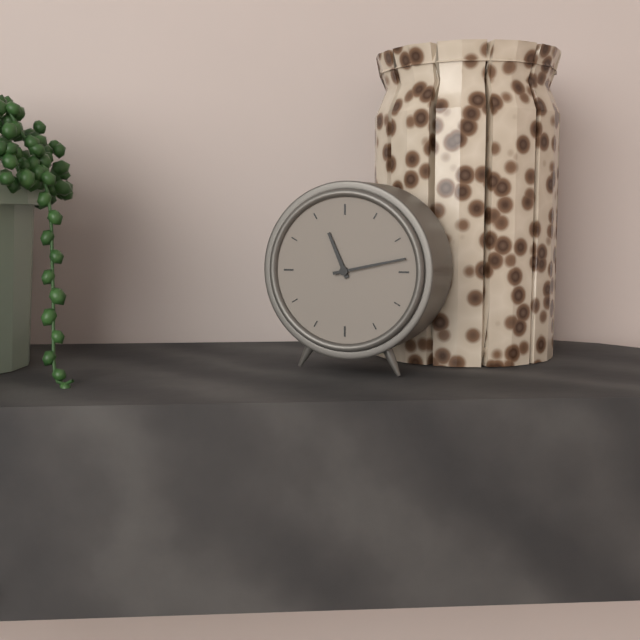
11:13
